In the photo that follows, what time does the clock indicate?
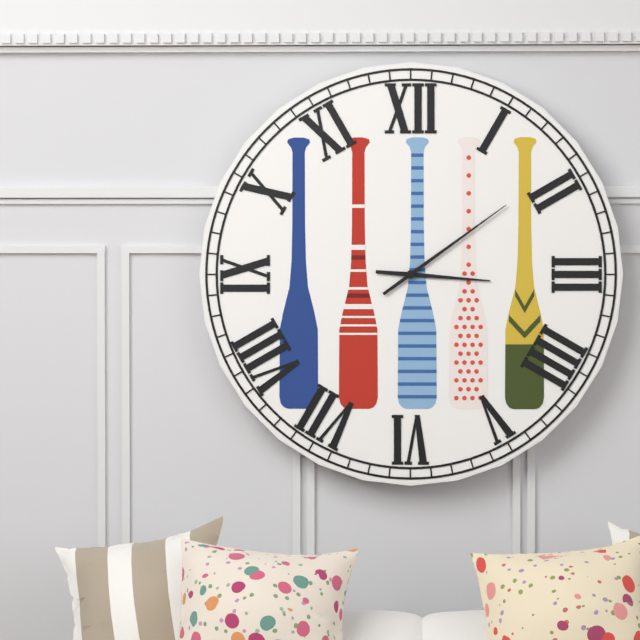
3:09
